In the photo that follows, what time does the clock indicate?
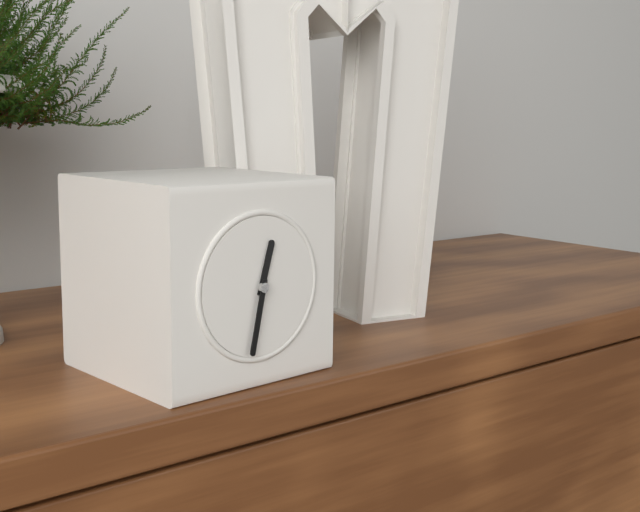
12:32
